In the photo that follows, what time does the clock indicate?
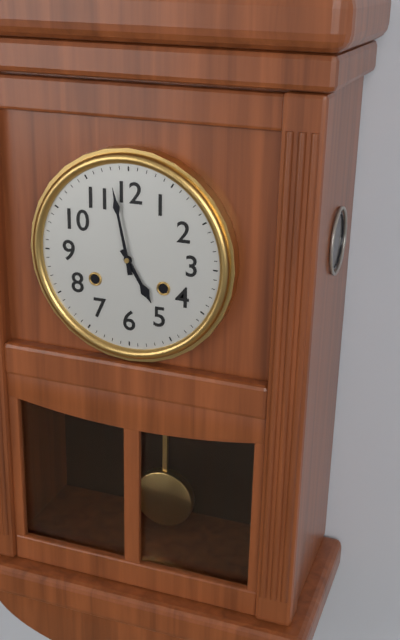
4:58
